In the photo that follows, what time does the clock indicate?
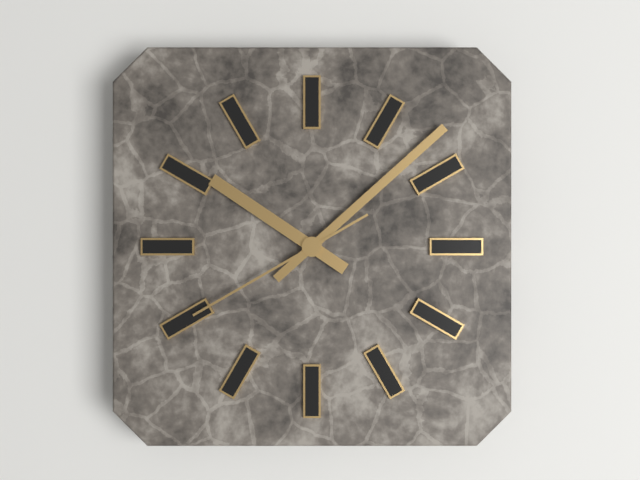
10:08:40
